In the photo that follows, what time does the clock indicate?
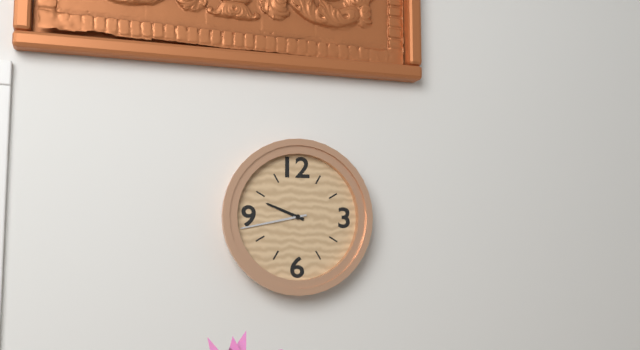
9:43
